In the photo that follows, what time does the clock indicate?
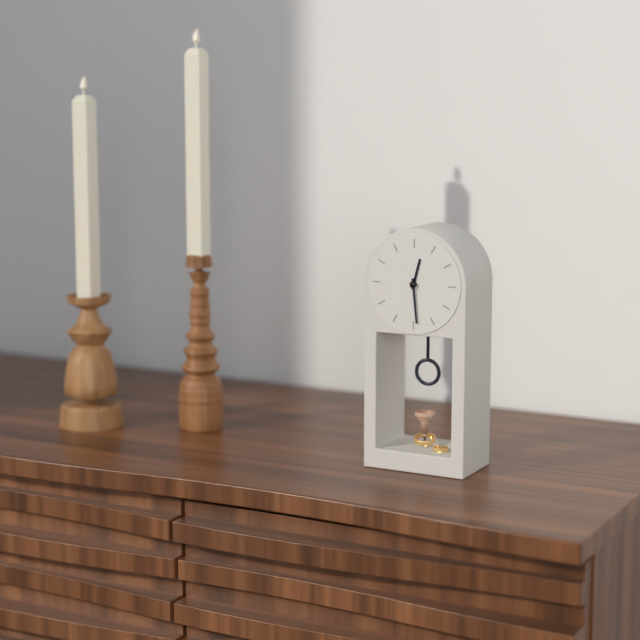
12:29
